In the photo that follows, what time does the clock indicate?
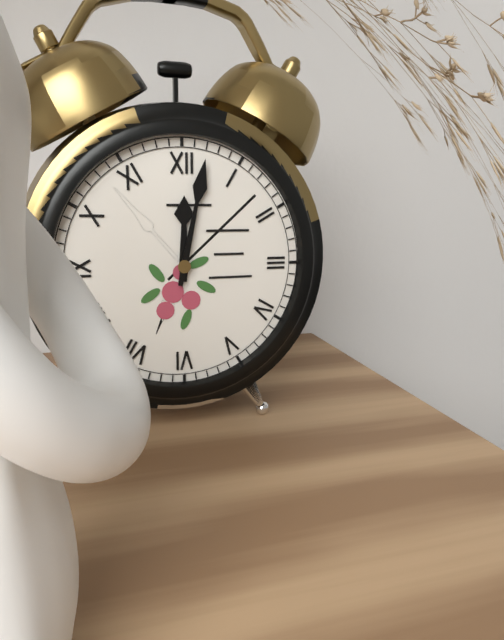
12:02
